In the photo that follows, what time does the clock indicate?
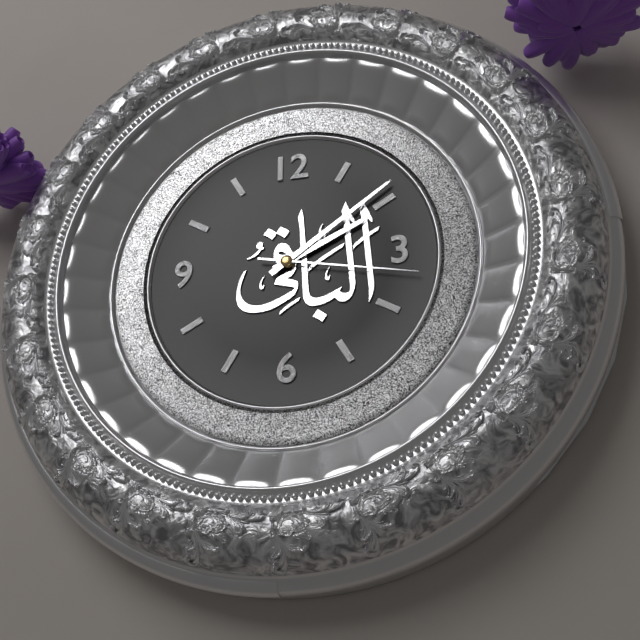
2:09:17
